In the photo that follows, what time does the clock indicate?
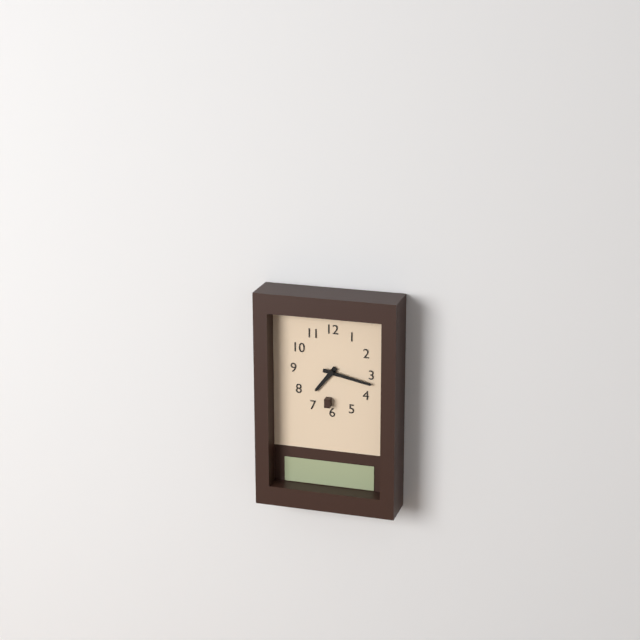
7:17
